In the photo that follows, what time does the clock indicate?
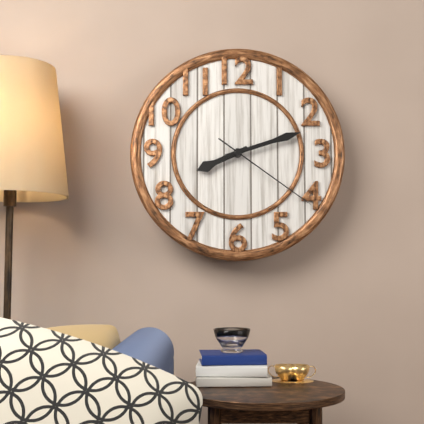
8:12:21
